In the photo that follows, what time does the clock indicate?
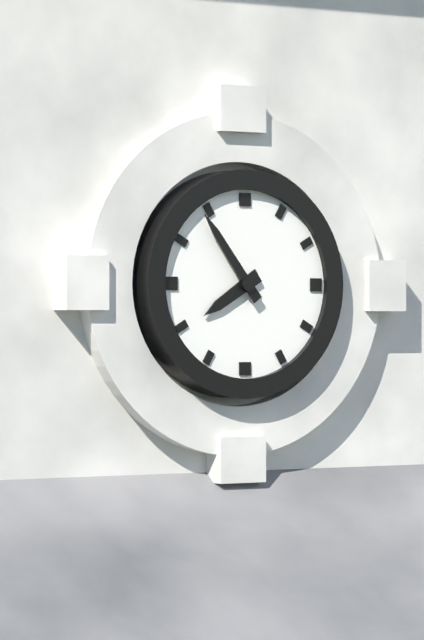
7:54
